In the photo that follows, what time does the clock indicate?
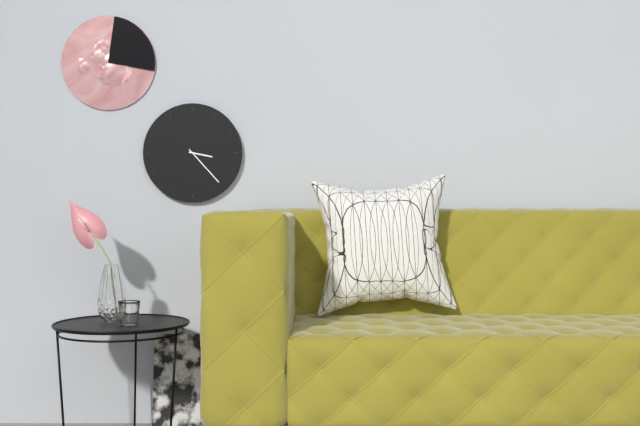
3:23
